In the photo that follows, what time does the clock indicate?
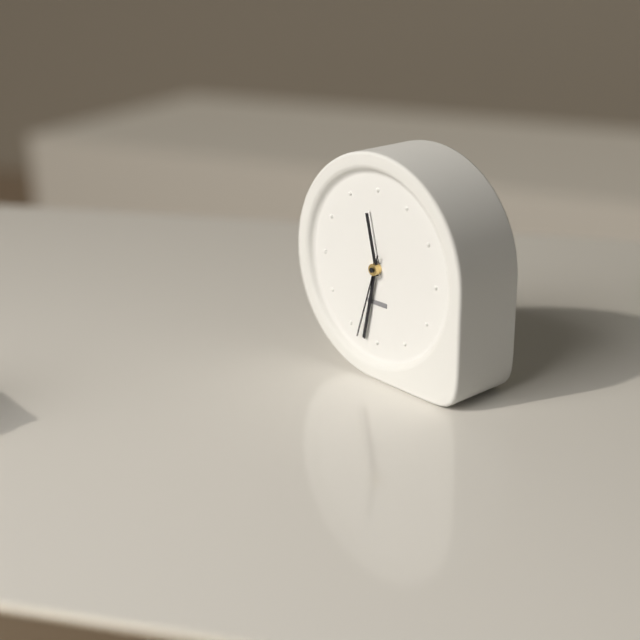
11:32:33
